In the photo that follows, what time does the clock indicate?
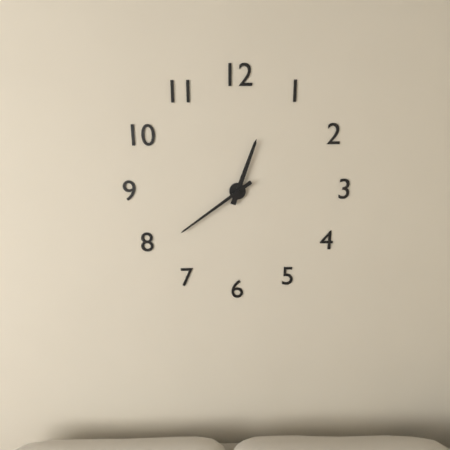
12:39
